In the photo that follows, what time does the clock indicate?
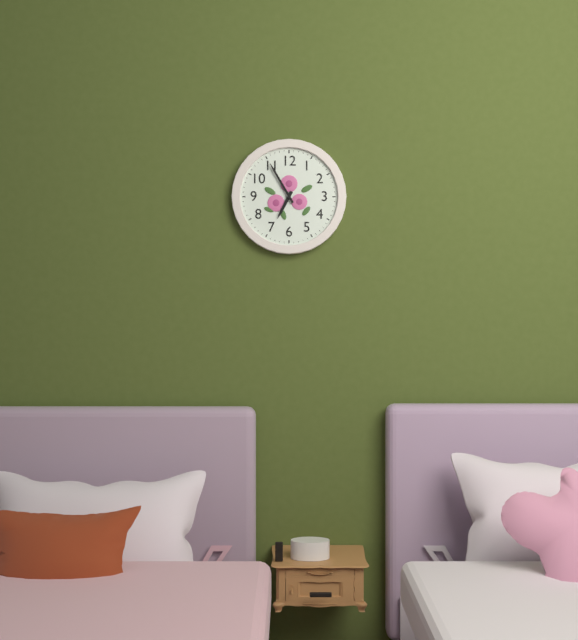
6:55
